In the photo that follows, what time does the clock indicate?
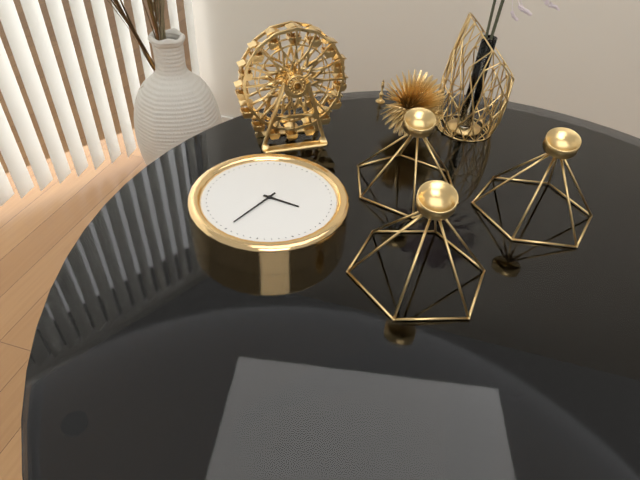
3:35
